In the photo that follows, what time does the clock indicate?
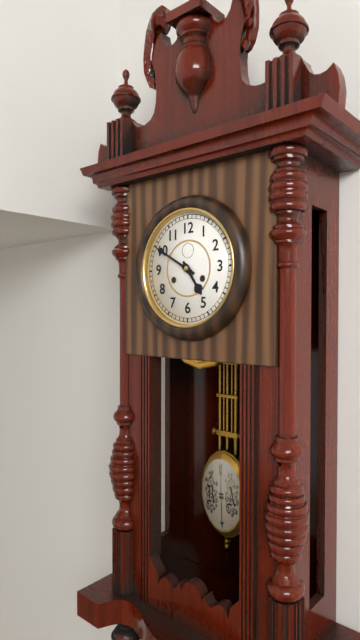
4:50
